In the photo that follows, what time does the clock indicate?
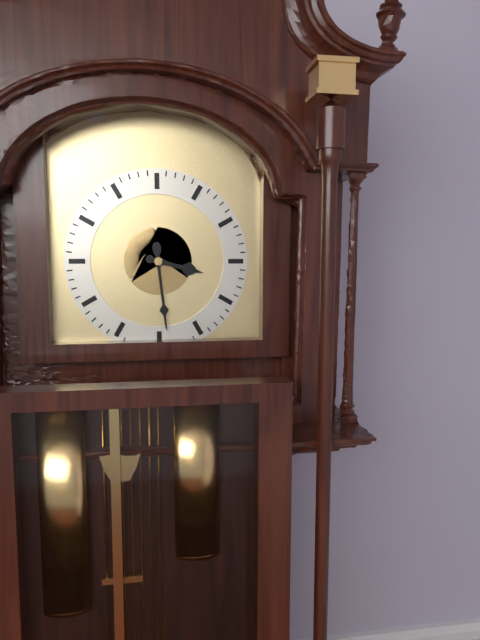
3:29
